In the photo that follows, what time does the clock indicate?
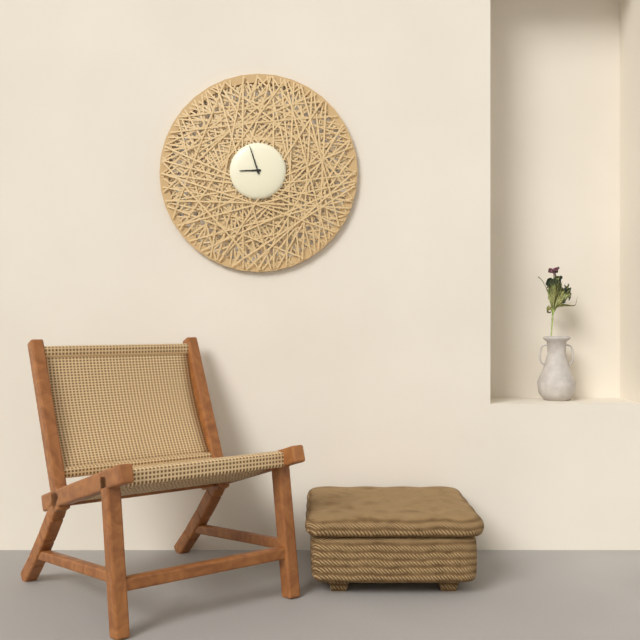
8:57
